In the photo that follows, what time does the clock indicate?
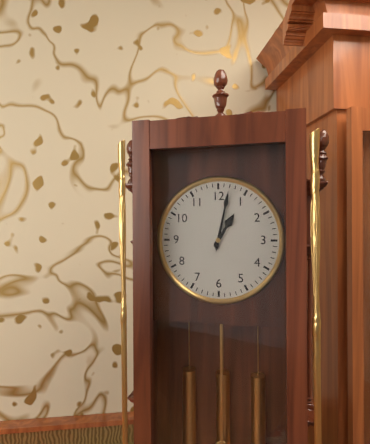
1:02
